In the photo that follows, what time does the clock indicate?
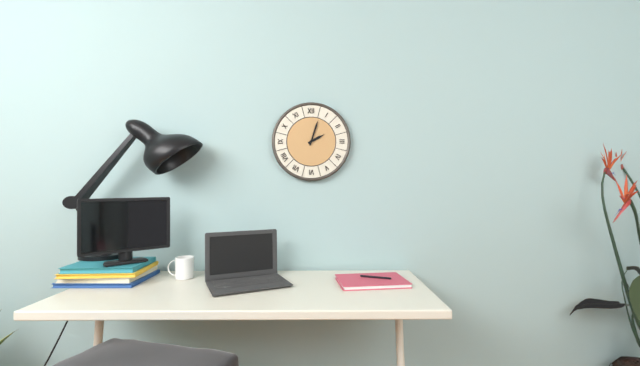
2:03
